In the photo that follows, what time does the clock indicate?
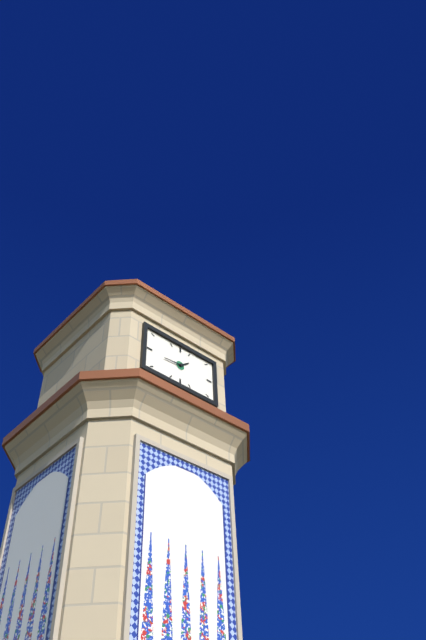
1:44
